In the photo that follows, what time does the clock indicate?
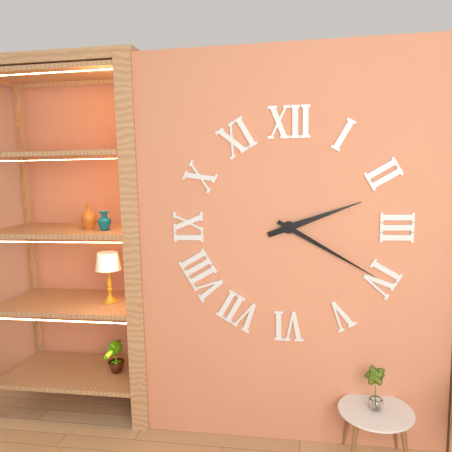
2:20
